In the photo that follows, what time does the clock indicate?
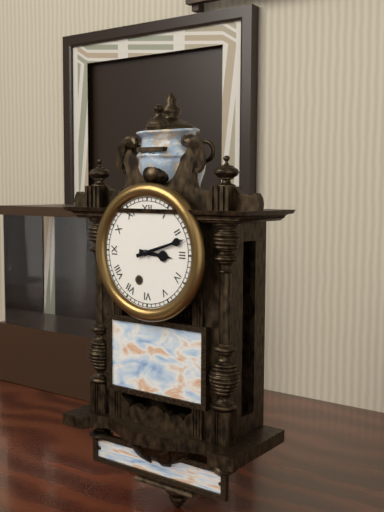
3:12
